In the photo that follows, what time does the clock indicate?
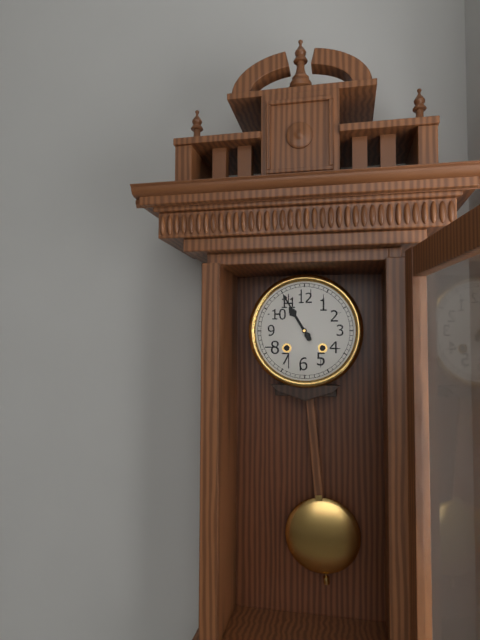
10:55
